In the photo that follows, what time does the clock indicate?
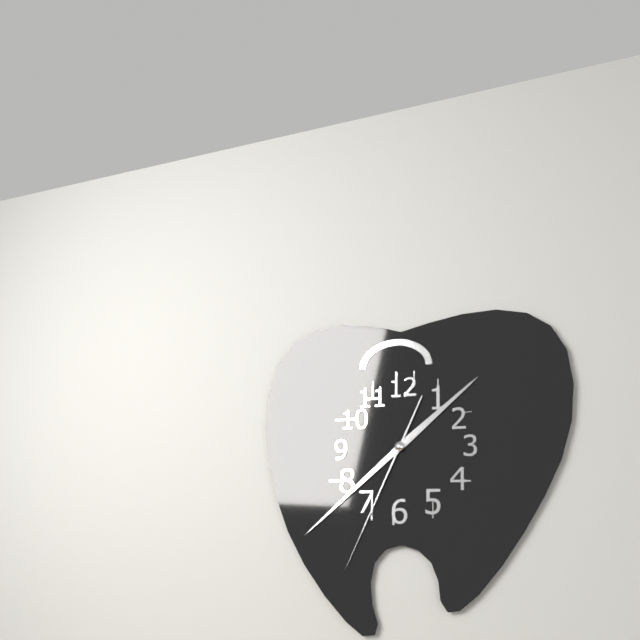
1:38:34
